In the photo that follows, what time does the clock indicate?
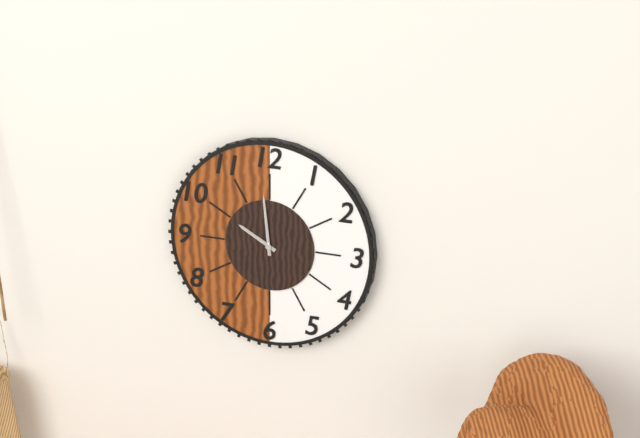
9:59
